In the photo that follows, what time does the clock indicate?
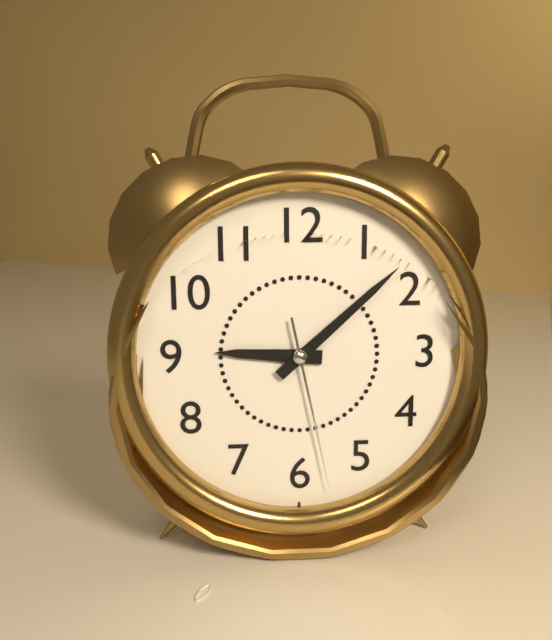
9:08:28
